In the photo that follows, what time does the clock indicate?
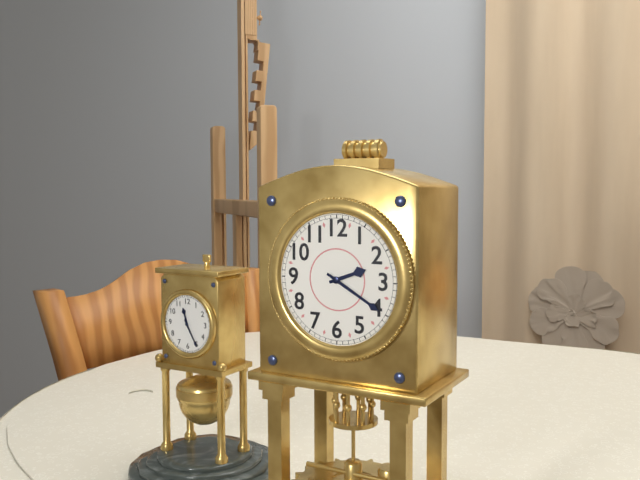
2:20
